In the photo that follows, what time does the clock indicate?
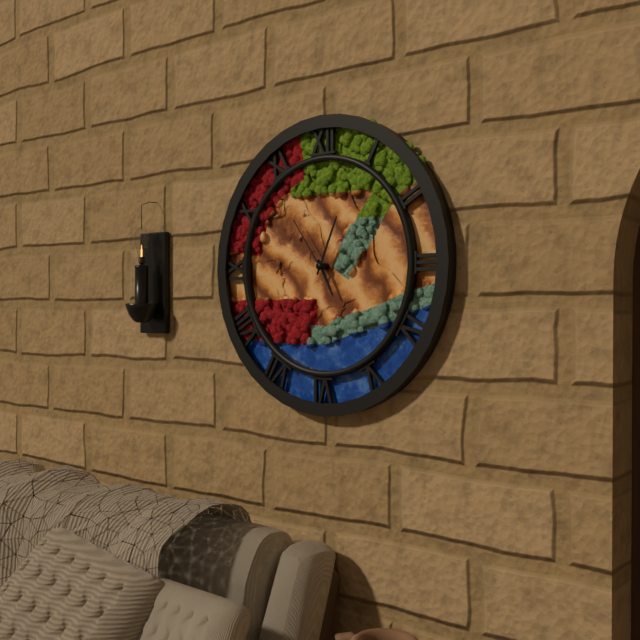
5:04:54
